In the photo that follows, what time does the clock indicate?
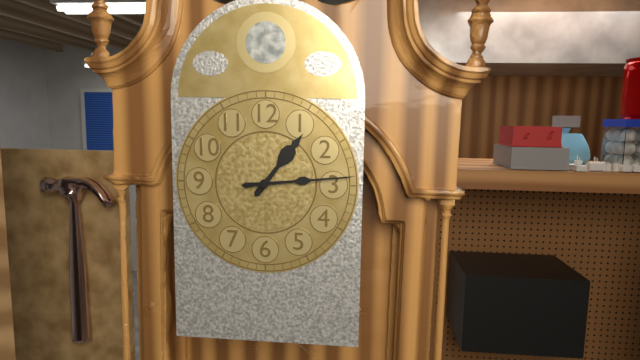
1:14
